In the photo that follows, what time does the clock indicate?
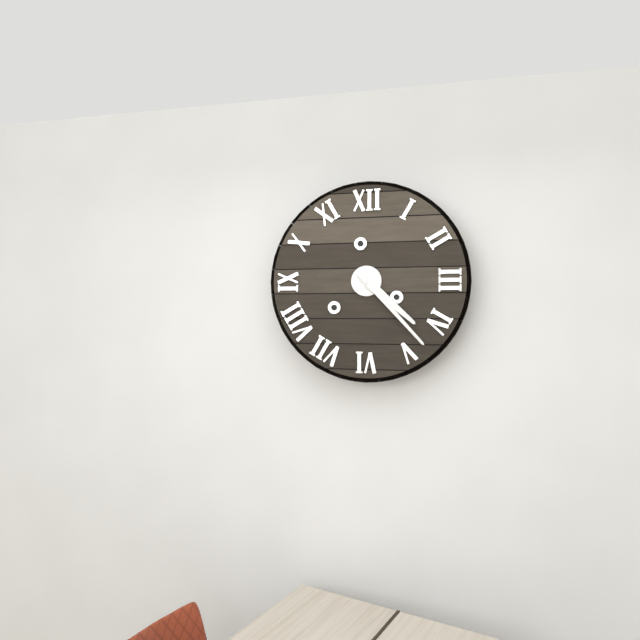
4:23
